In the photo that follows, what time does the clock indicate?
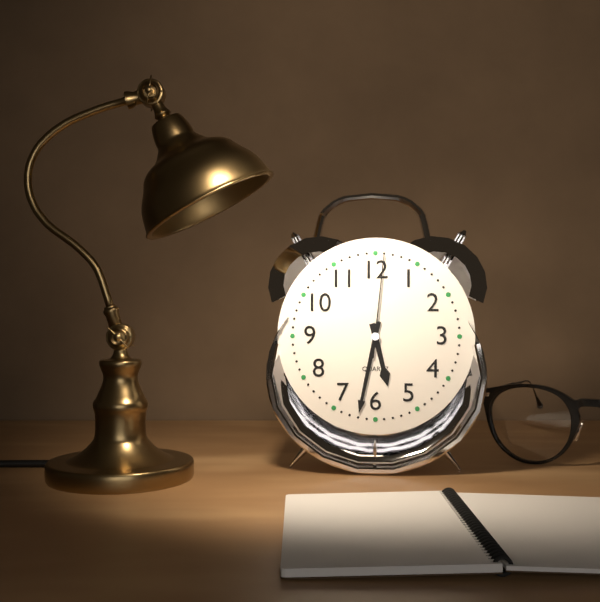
5:32:01
